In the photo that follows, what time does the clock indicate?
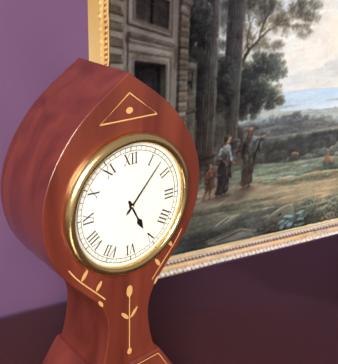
5:07
